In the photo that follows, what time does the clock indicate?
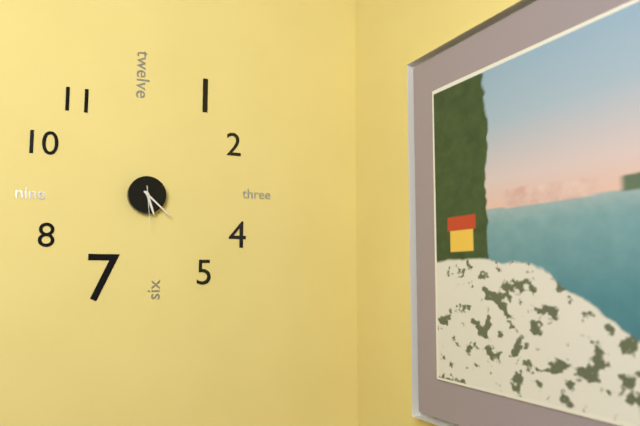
5:22
